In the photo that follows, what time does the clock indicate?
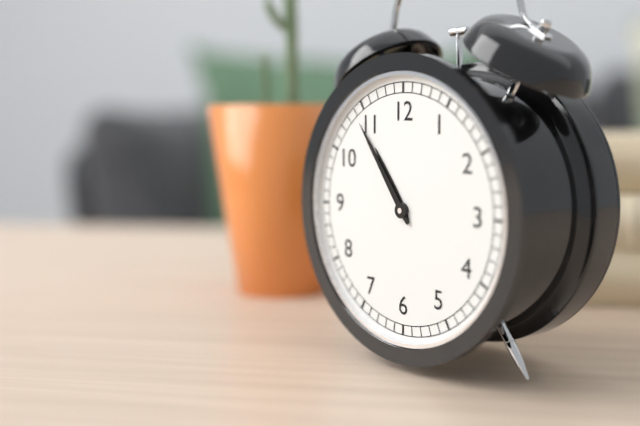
10:54
